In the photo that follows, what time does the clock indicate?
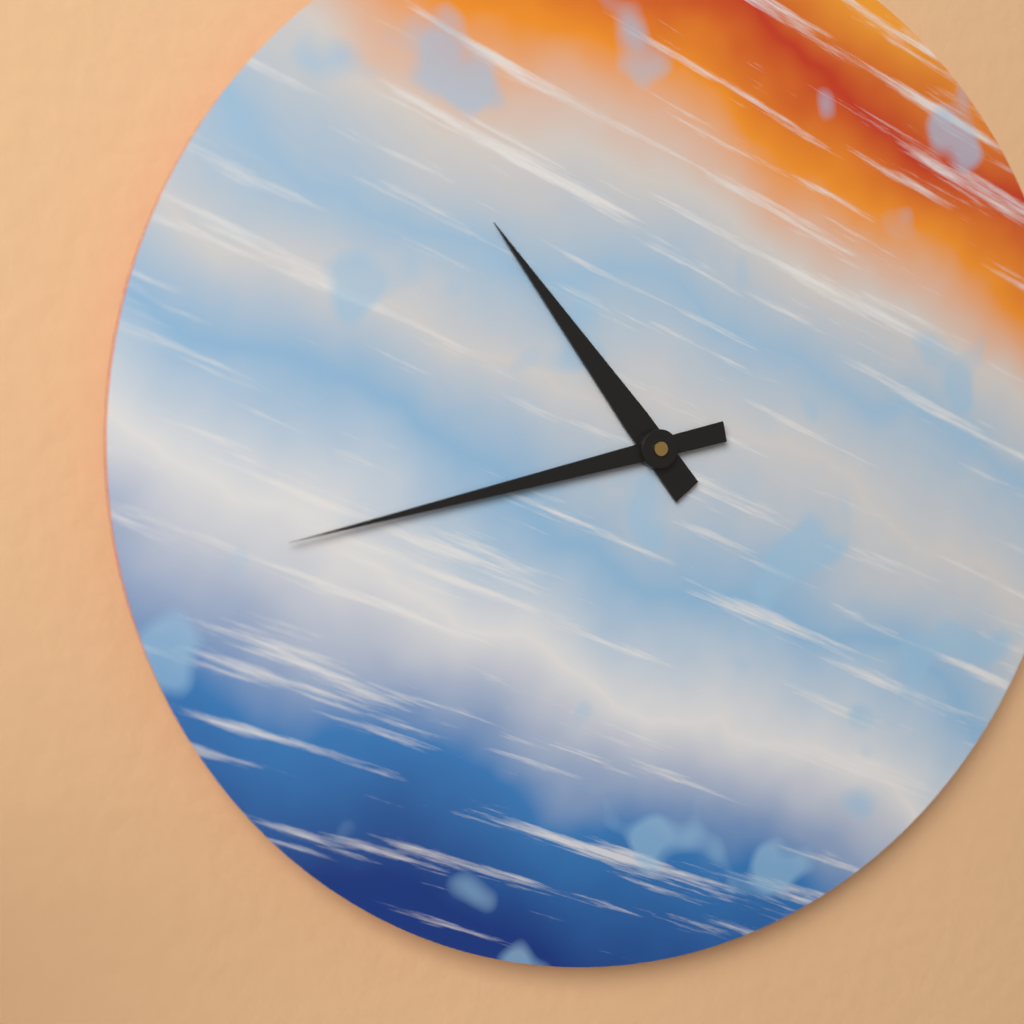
10:43
